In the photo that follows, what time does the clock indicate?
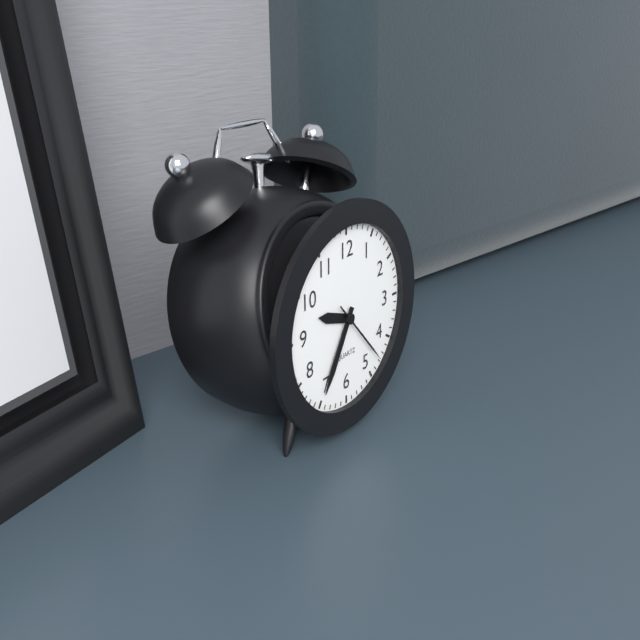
9:35:23
